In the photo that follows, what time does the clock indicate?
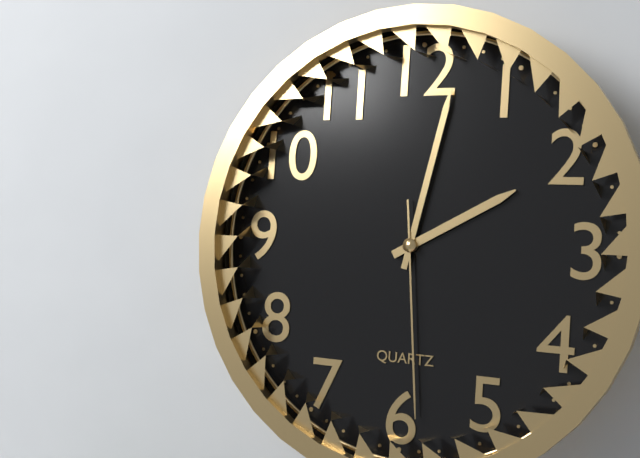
2:02:29
